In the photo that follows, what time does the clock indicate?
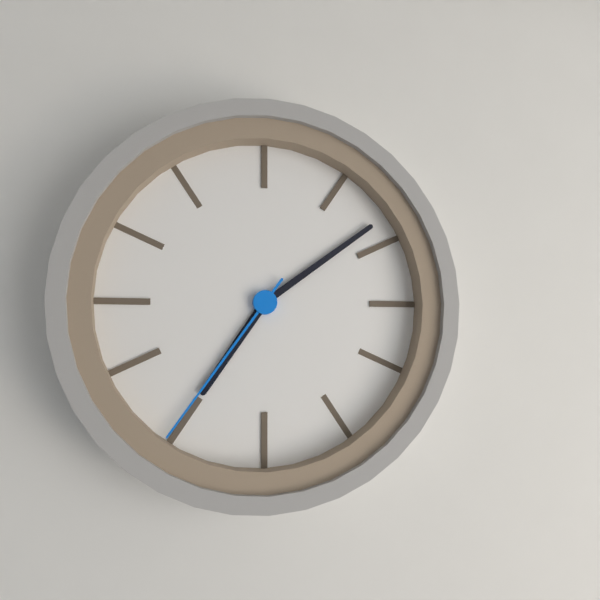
7:09:36
